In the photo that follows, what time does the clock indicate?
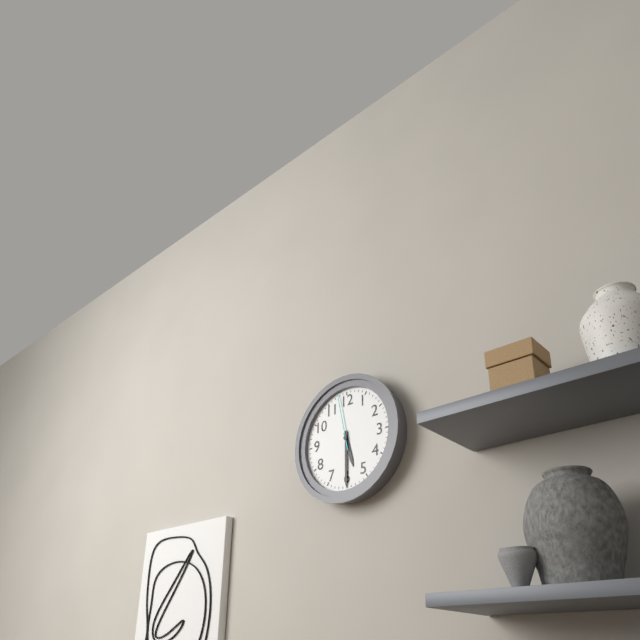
5:30:58
